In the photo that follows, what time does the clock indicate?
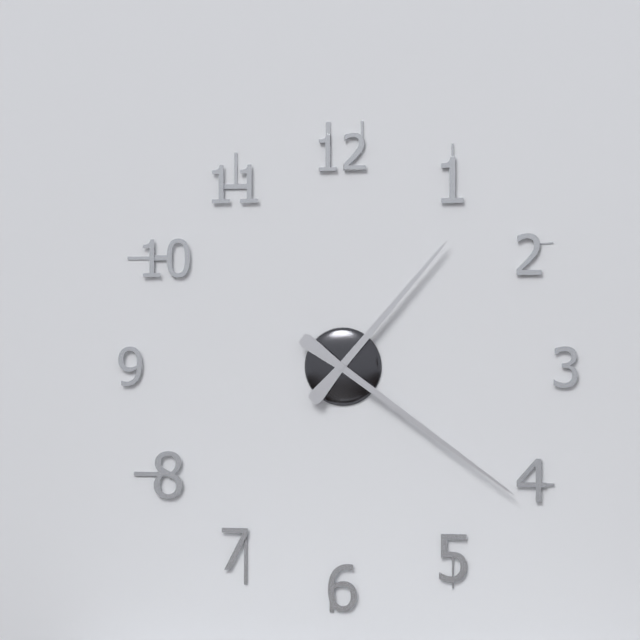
1:21
